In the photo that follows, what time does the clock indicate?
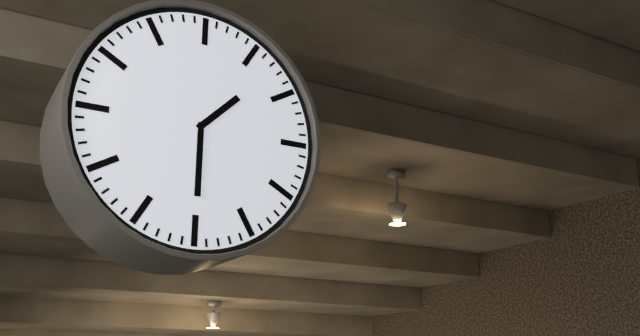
1:30
